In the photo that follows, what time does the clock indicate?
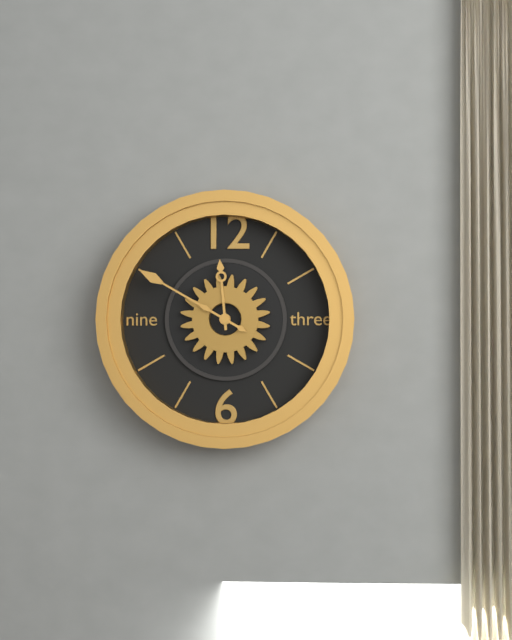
11:50
